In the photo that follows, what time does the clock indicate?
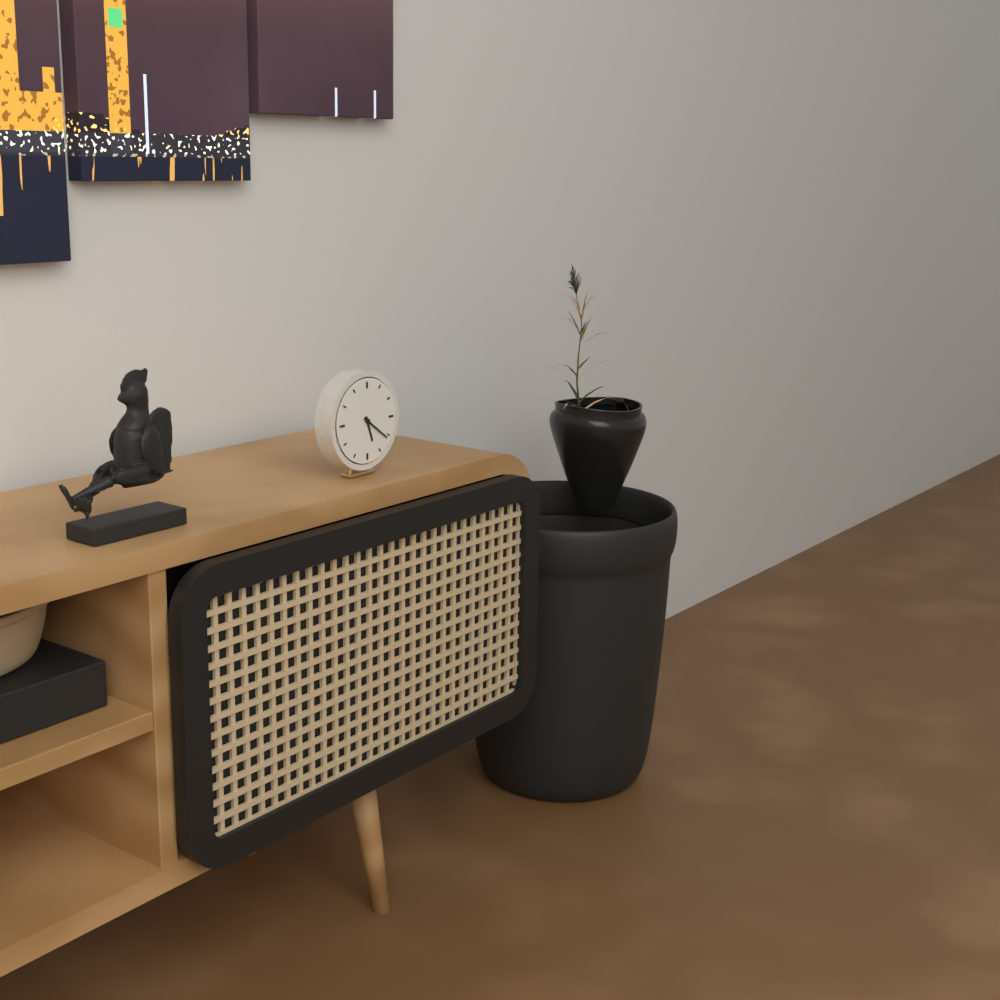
5:21
